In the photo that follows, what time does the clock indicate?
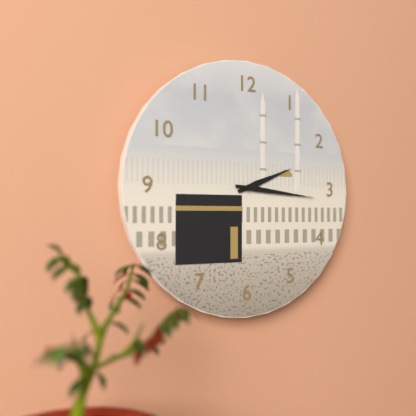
2:16
